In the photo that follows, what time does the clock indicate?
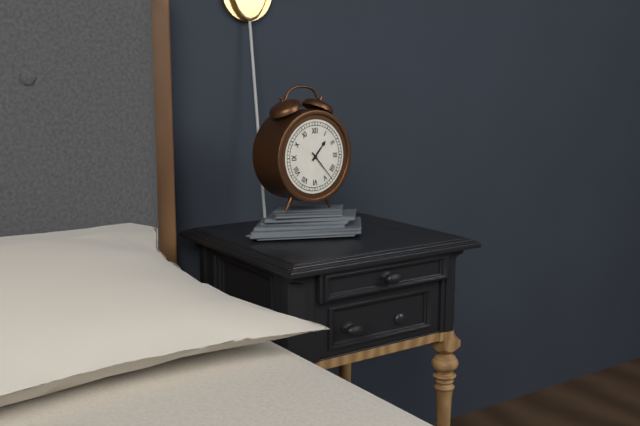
1:23
